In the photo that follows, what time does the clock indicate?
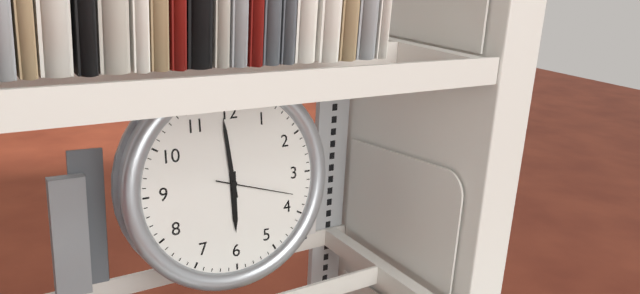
5:59:18
